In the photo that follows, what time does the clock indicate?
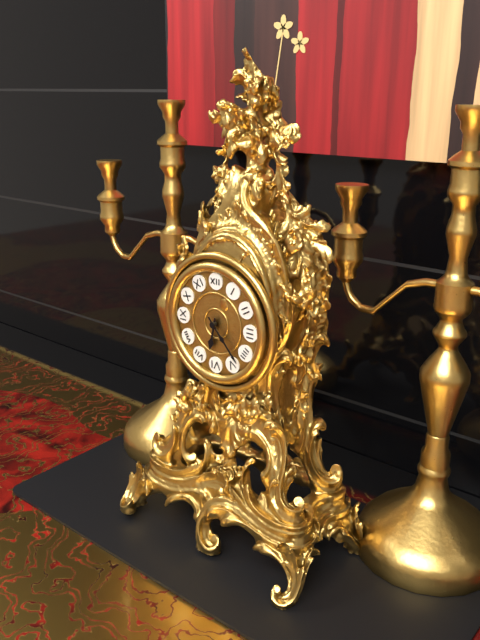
6:23
